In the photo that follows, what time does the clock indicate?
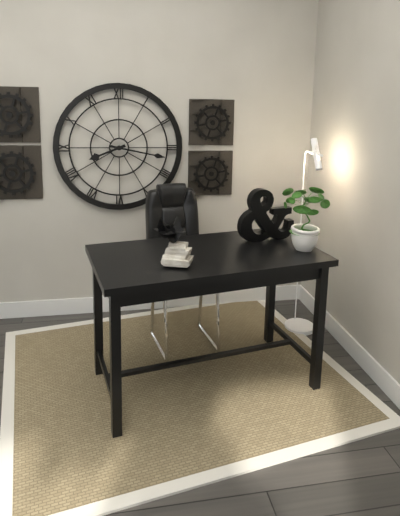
8:17
